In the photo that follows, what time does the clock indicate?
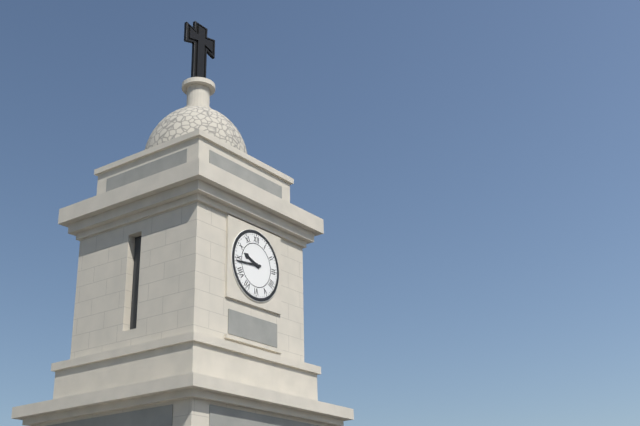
9:44
